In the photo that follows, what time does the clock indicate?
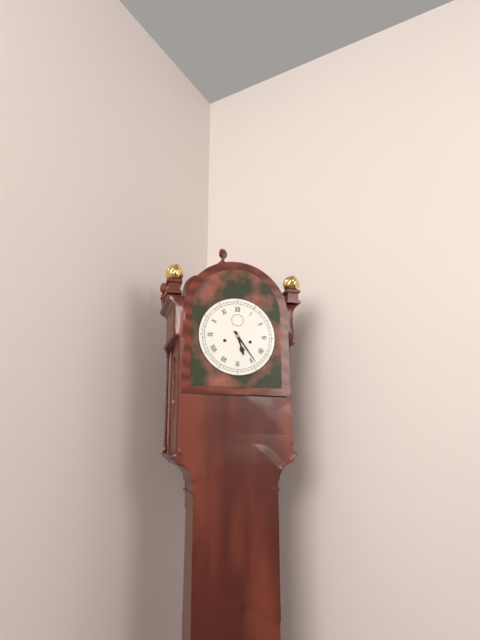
5:24
